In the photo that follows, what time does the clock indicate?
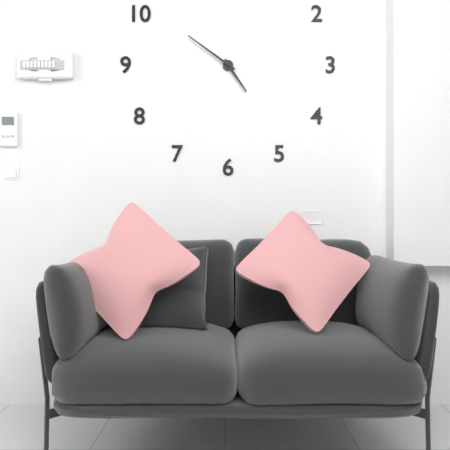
4:51
